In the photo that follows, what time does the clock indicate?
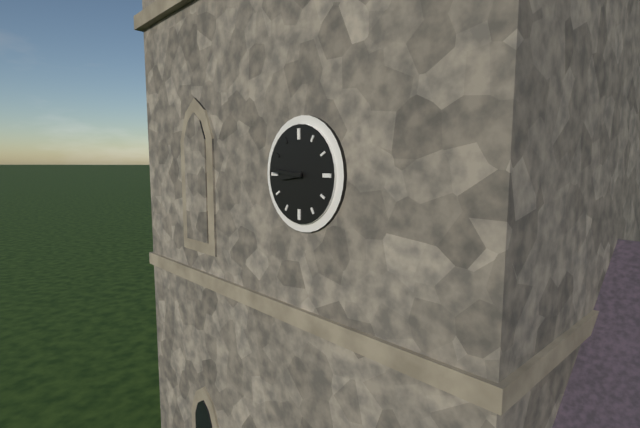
8:46
